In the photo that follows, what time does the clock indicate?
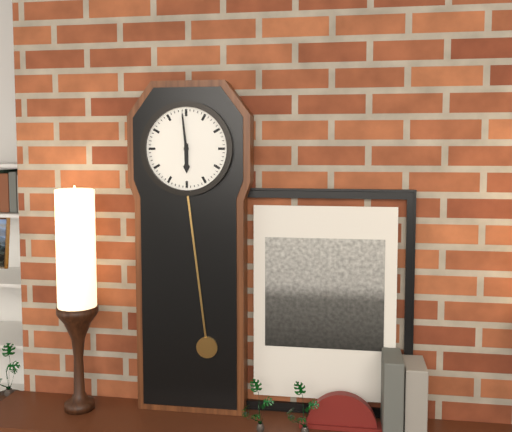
5:59
